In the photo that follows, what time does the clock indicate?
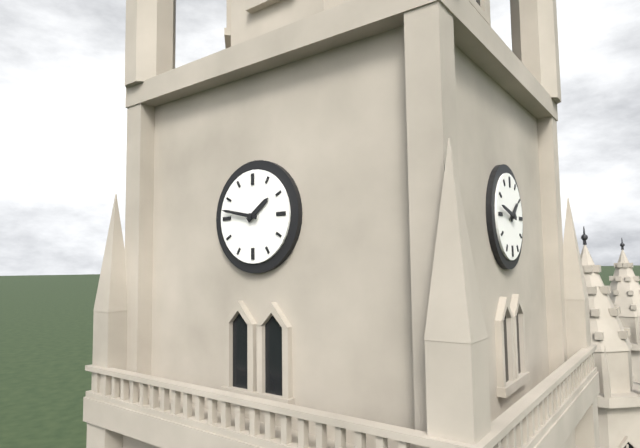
1:47
